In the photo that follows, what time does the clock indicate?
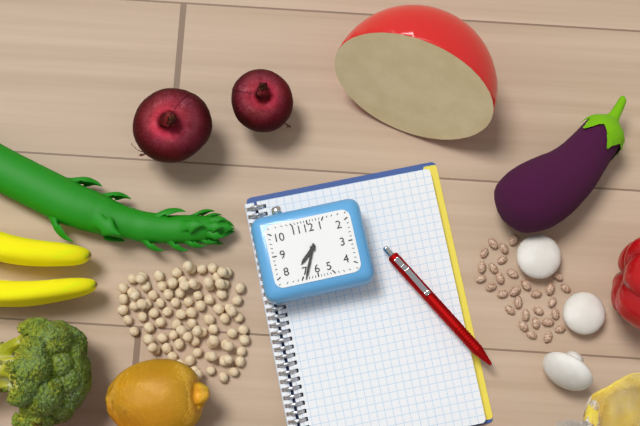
7:34
